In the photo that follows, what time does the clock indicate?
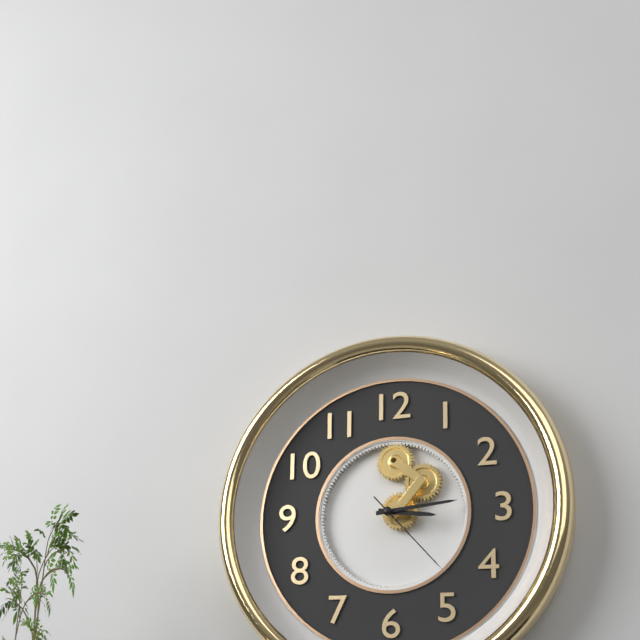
3:14:23
